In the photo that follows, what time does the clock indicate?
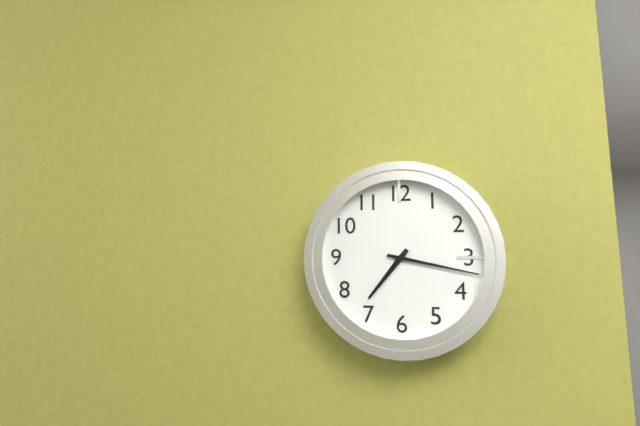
7:17
